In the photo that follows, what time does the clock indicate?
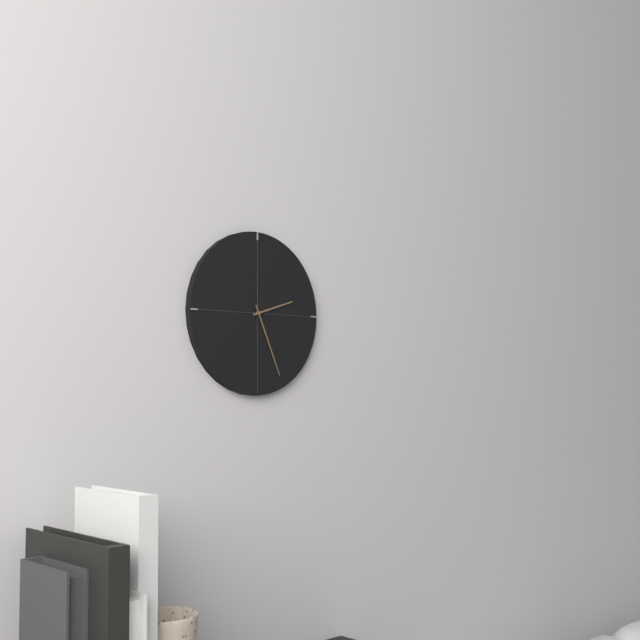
2:26
